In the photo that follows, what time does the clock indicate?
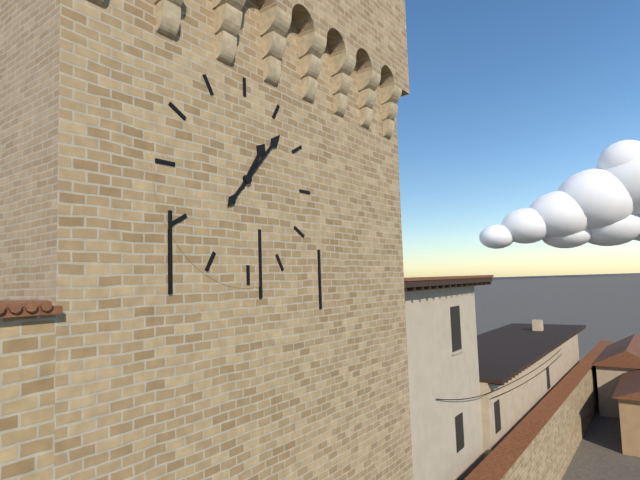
1:07
